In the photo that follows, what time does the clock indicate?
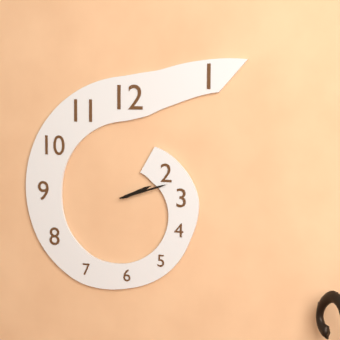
2:12
